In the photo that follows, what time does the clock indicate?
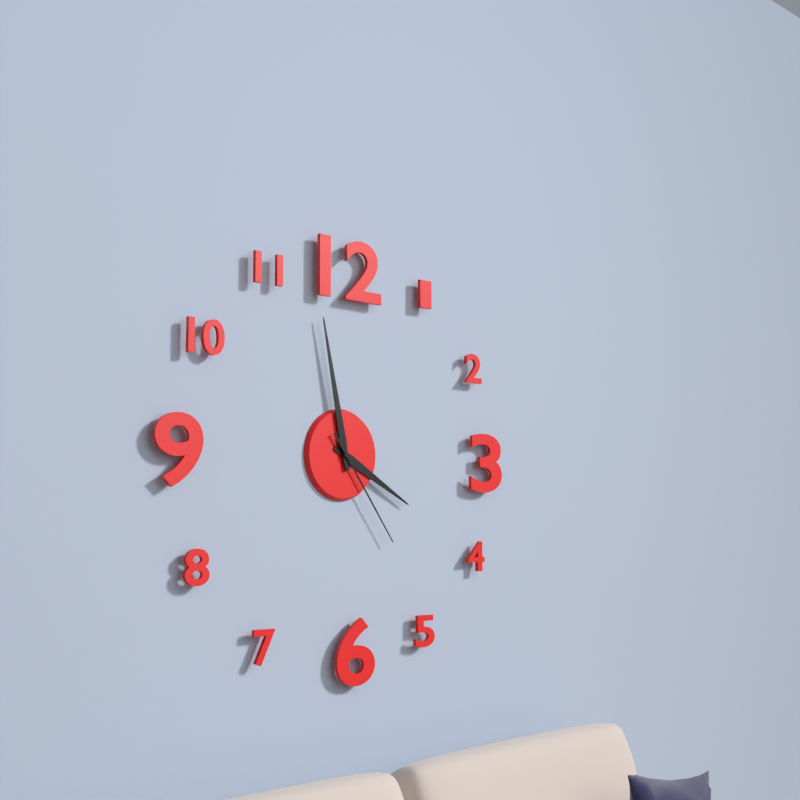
3:58:24
